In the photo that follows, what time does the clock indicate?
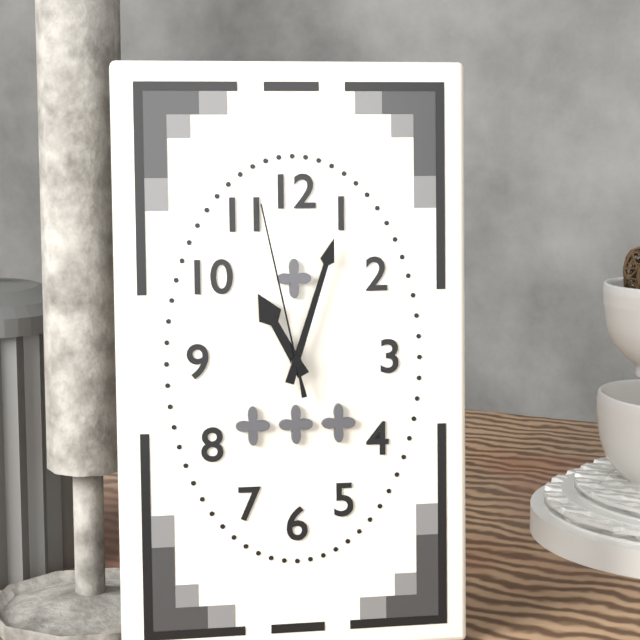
11:03:58
